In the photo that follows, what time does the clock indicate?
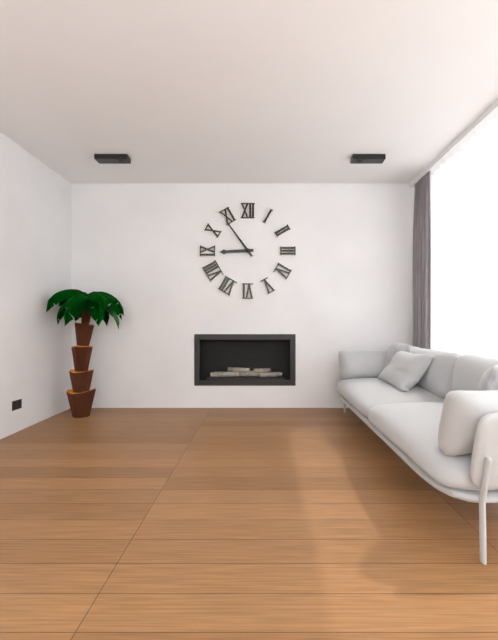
8:54
